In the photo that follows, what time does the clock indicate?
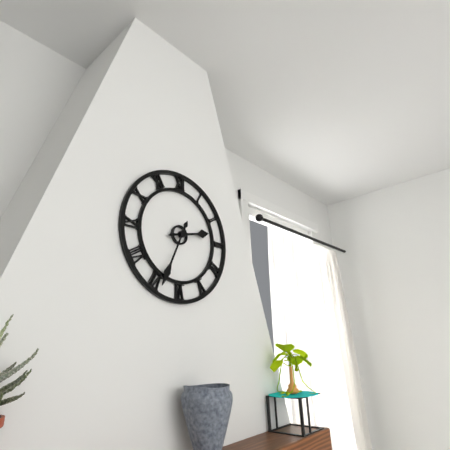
2:34
